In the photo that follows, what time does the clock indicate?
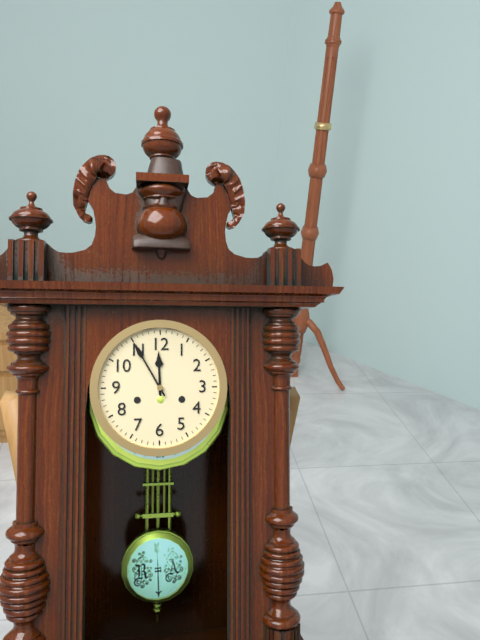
11:55
